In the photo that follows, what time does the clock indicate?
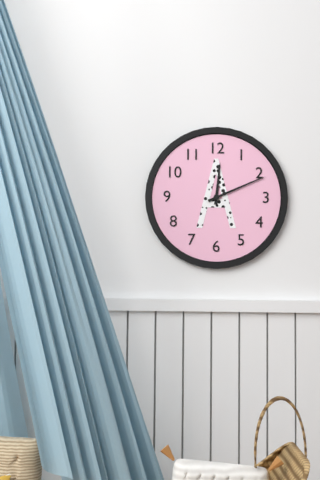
12:11
